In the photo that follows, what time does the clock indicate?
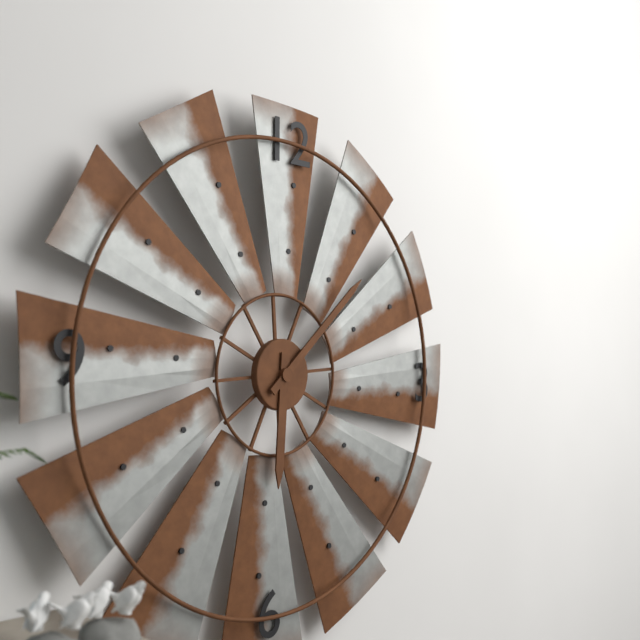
6:08
